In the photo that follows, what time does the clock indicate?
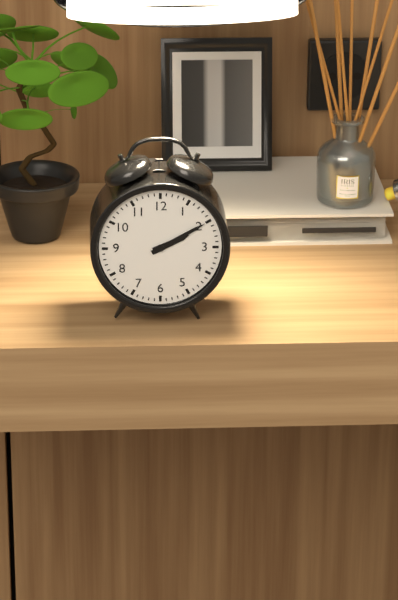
2:10
